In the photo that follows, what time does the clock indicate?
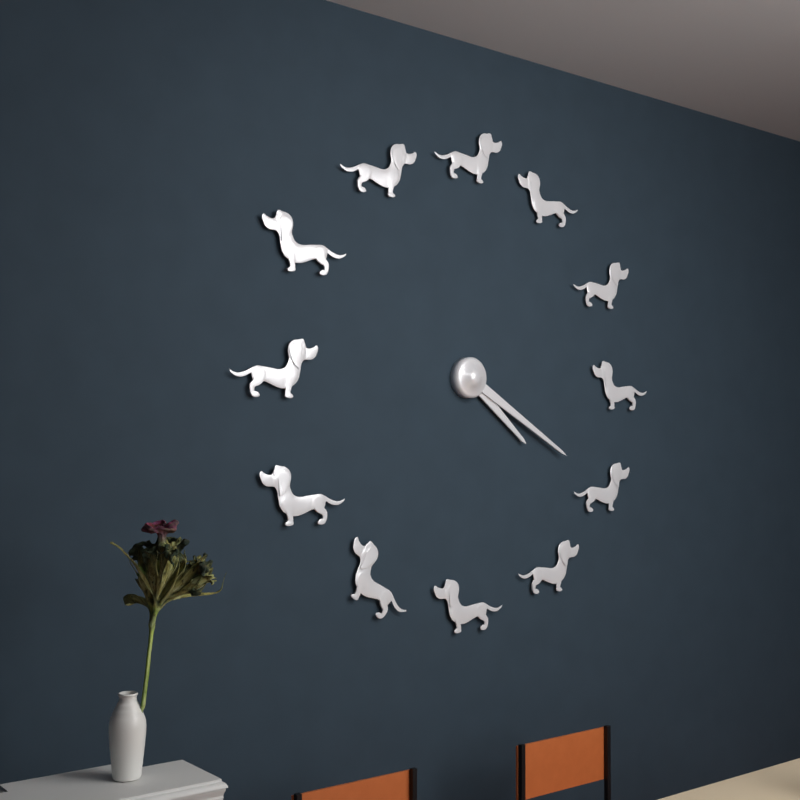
4:20
